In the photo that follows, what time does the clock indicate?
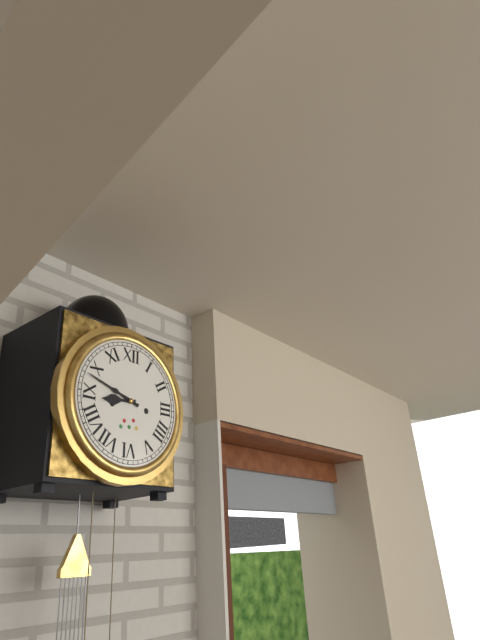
8:48
